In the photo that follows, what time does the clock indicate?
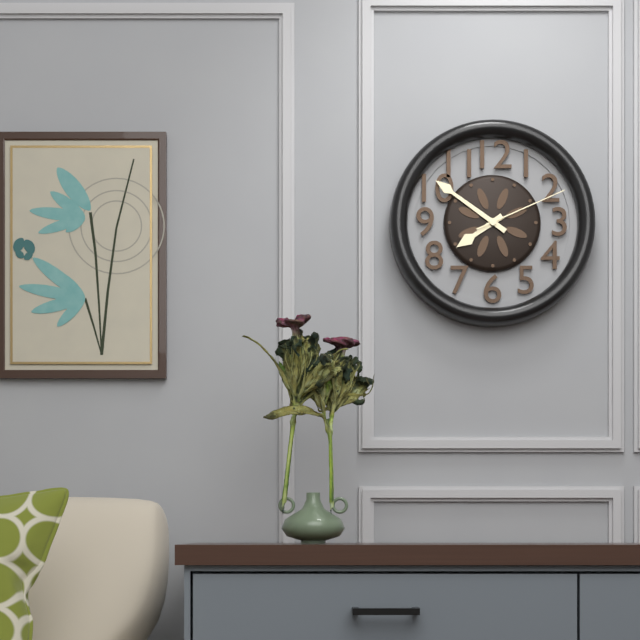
7:51:11
